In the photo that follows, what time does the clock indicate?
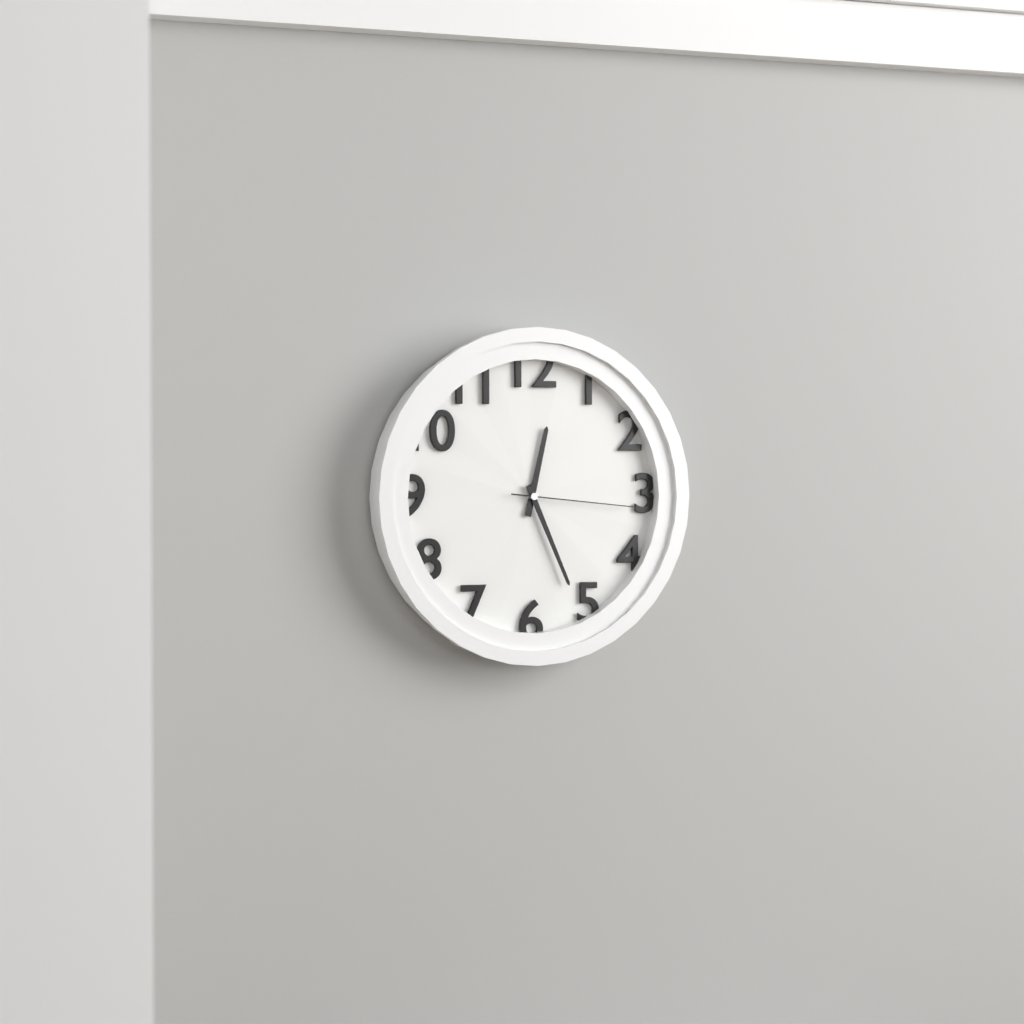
12:26:16
